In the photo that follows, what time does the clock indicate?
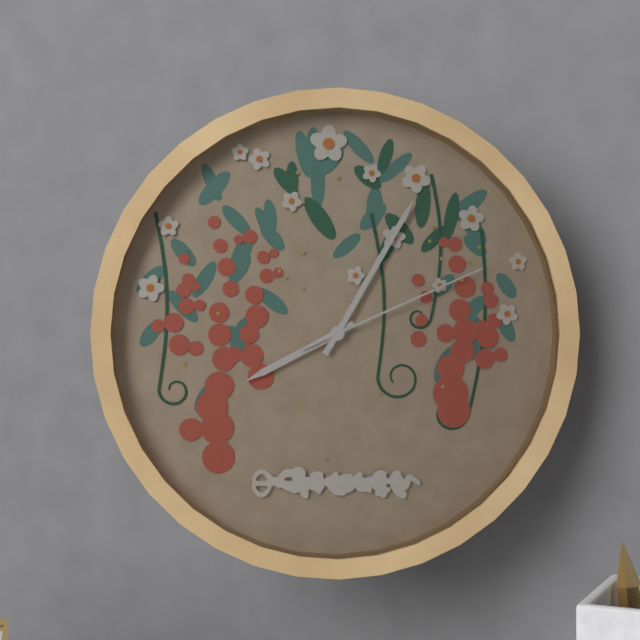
8:05:11
